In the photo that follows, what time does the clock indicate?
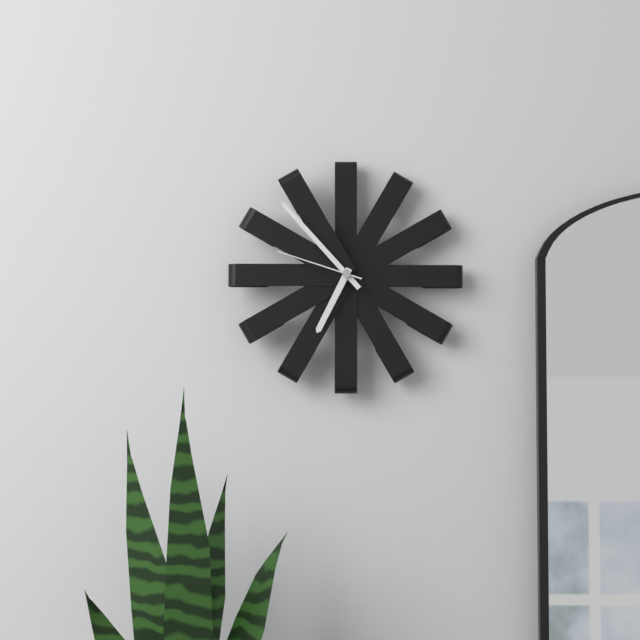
6:53:48
